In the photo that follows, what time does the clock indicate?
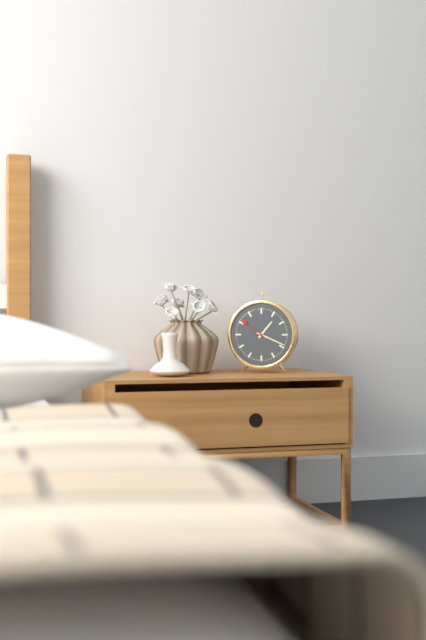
1:19
